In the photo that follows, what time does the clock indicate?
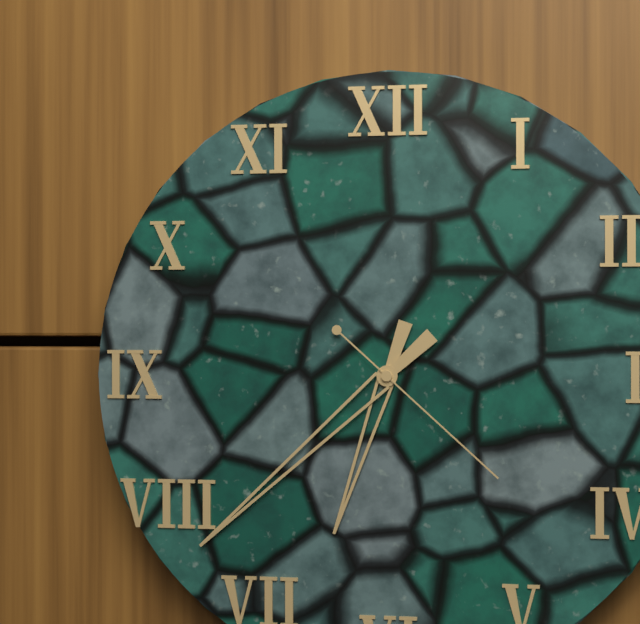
6:38:22
